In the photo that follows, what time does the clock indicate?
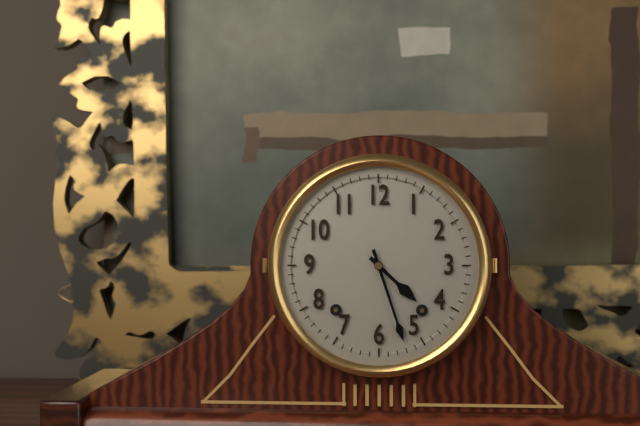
4:27
